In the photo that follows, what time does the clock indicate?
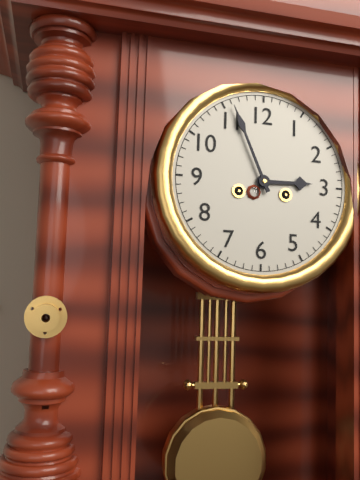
2:56
